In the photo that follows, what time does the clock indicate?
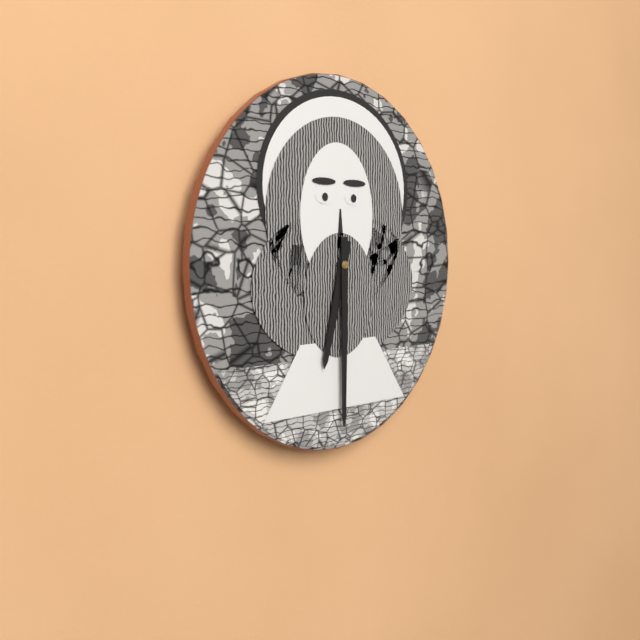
6:30
